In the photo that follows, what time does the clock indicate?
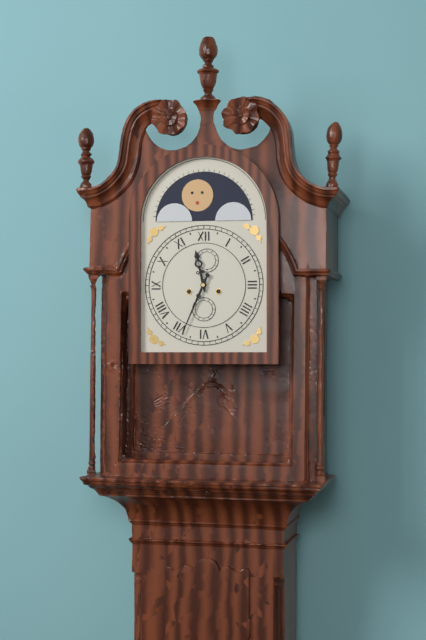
11:34
